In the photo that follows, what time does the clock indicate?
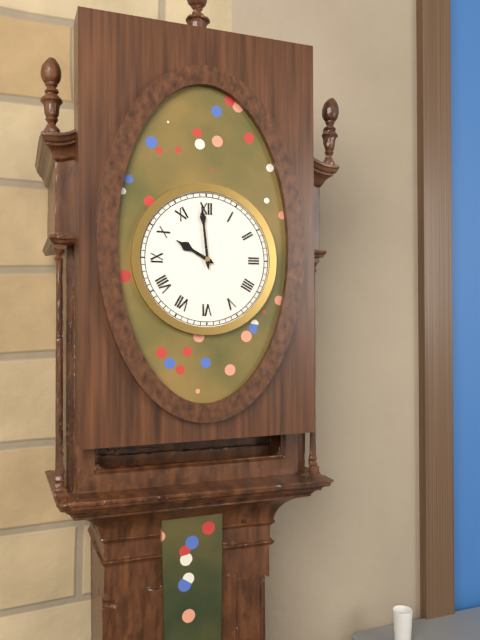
9:59
